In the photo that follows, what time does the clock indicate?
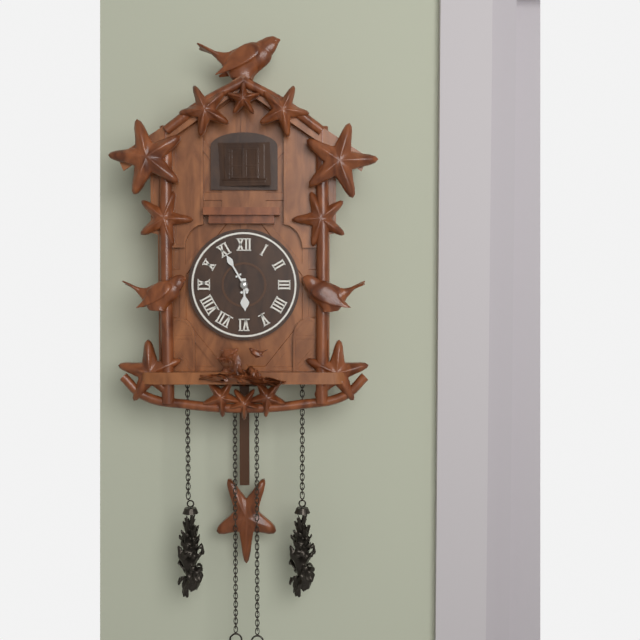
5:55
